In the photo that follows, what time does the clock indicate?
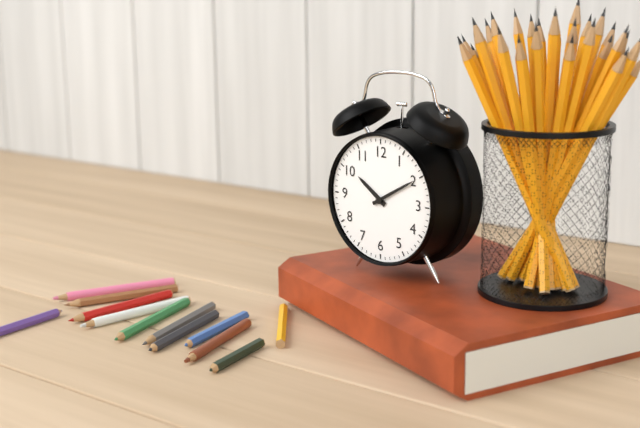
10:10
